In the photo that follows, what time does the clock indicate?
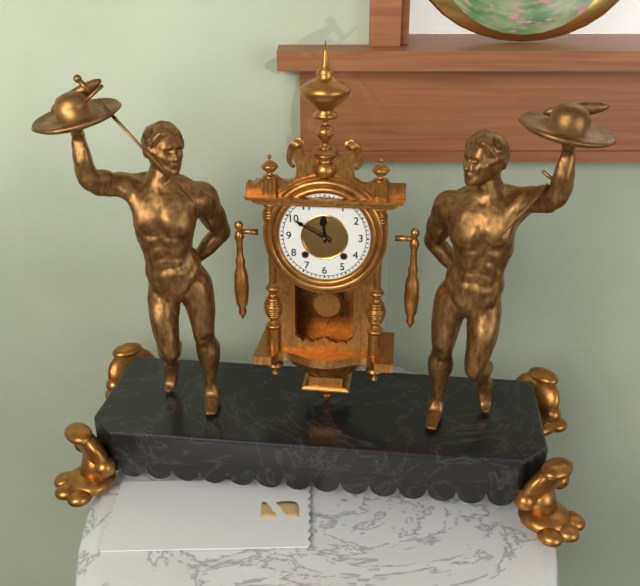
11:50
